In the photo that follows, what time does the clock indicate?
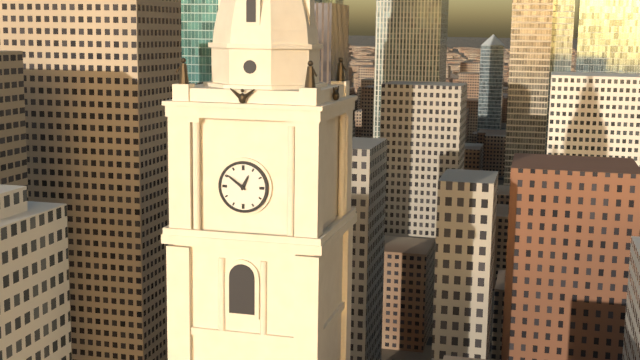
12:51
